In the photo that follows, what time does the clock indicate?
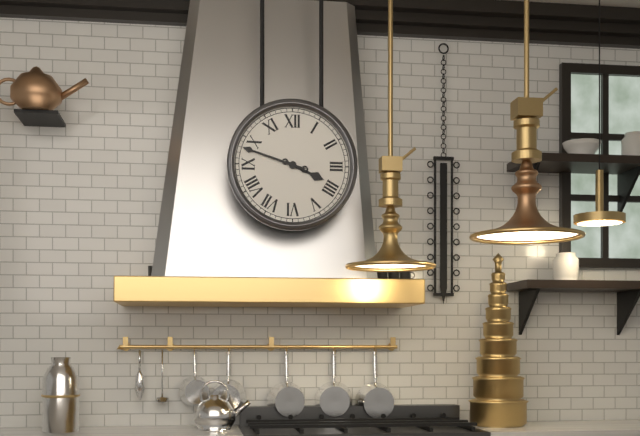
3:48
